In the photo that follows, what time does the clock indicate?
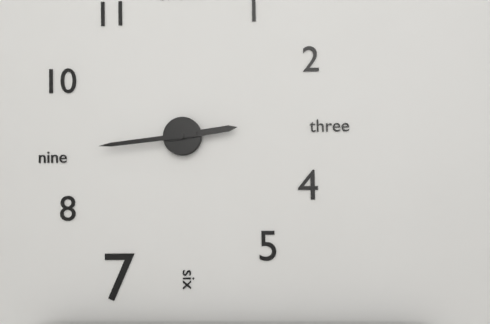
2:44
